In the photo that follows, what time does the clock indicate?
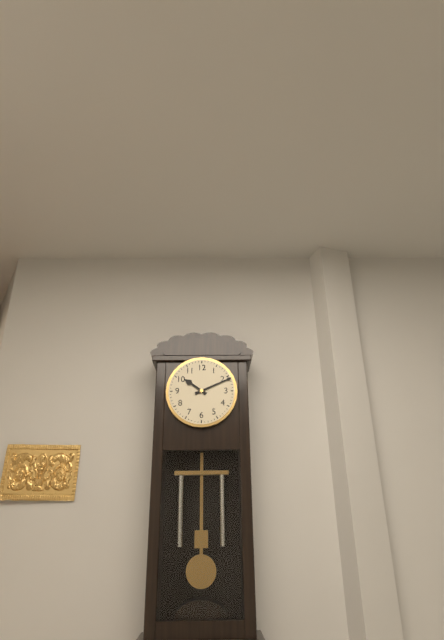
10:11
